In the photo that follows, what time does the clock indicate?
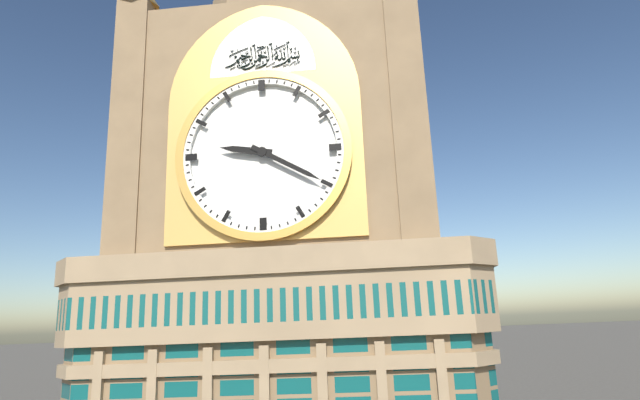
9:20
